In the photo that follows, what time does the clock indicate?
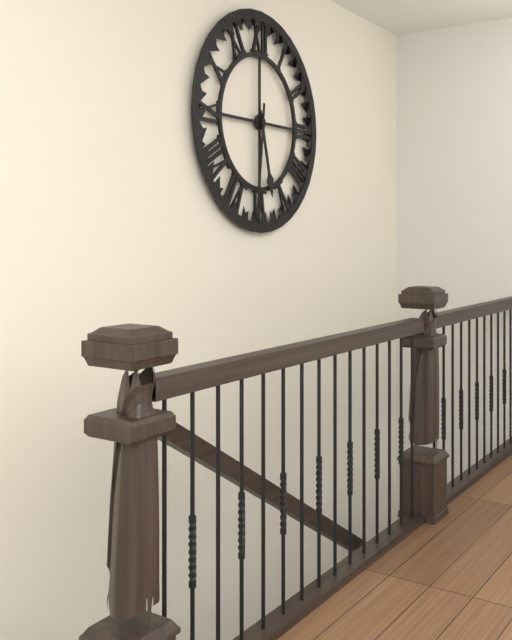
5:31
